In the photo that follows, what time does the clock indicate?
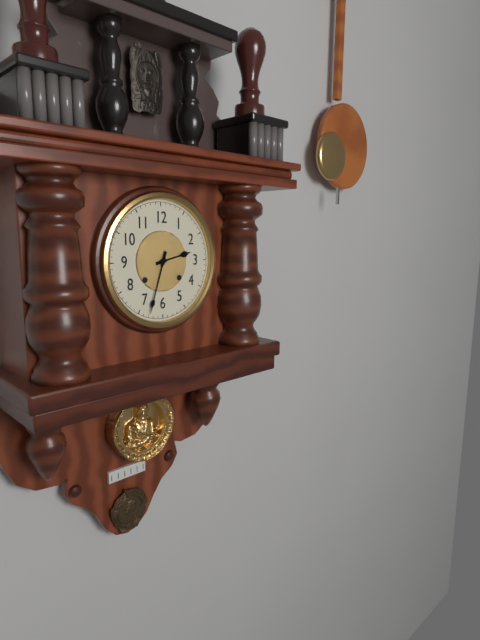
2:33
